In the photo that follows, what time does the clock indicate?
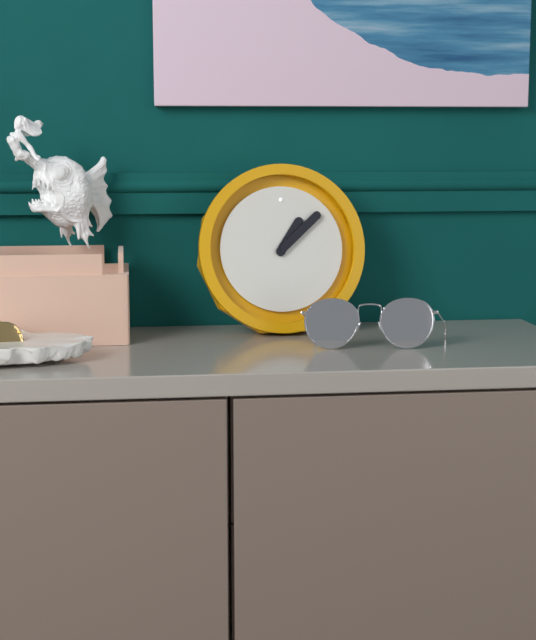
1:08
